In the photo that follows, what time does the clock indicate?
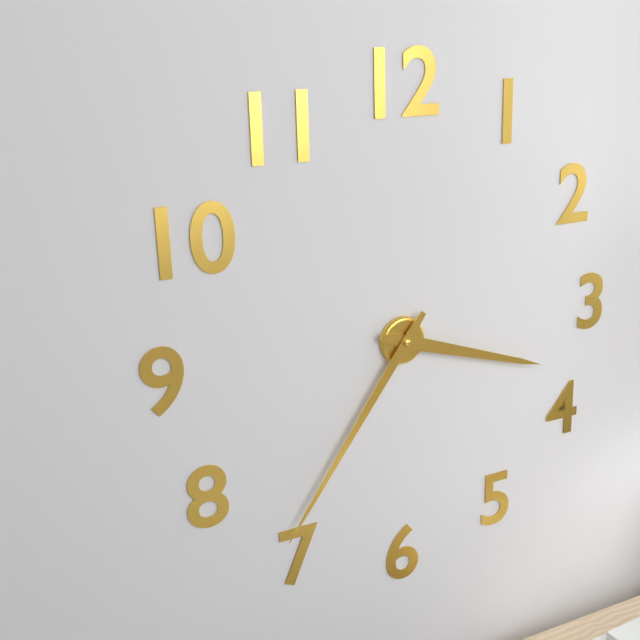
3:36
